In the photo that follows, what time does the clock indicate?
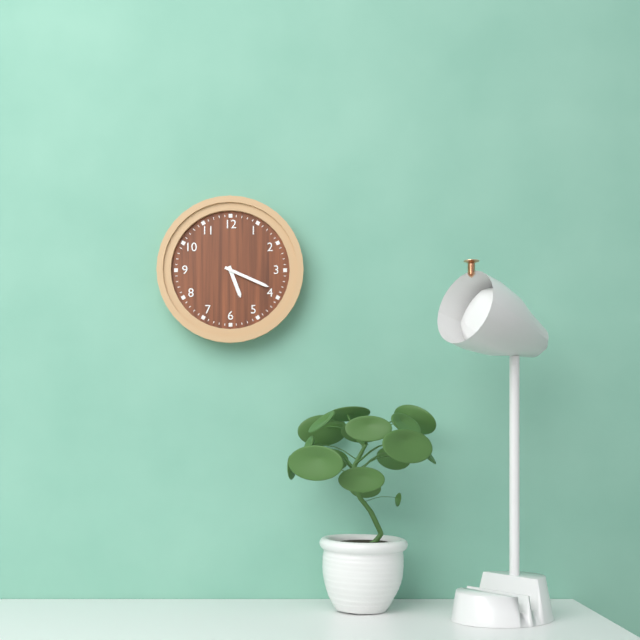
5:19
